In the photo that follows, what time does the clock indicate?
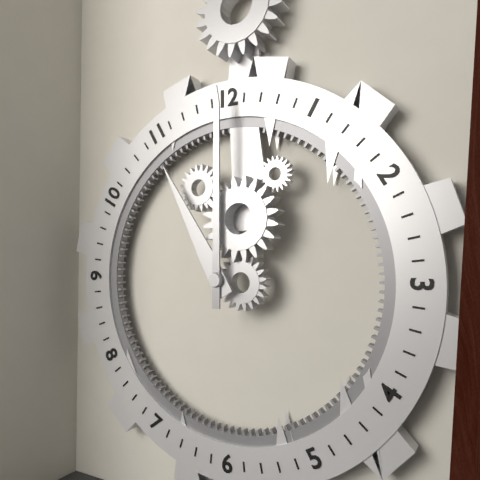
11:00
